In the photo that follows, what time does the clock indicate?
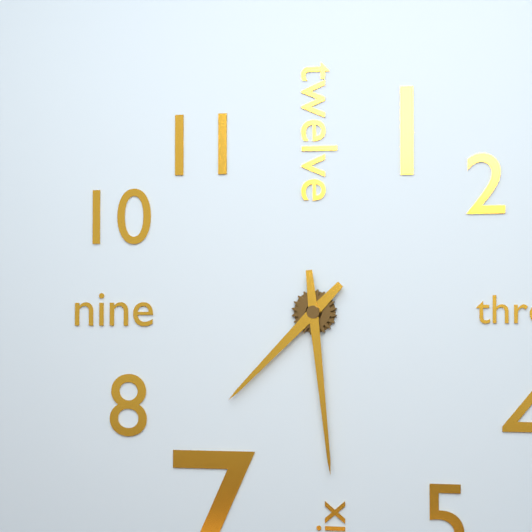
7:29
